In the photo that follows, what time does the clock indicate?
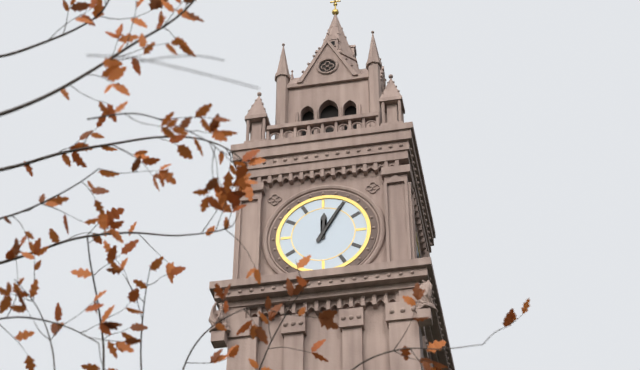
12:05
